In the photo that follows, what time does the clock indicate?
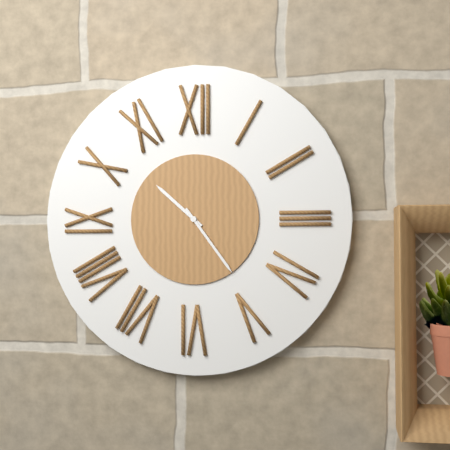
10:24
